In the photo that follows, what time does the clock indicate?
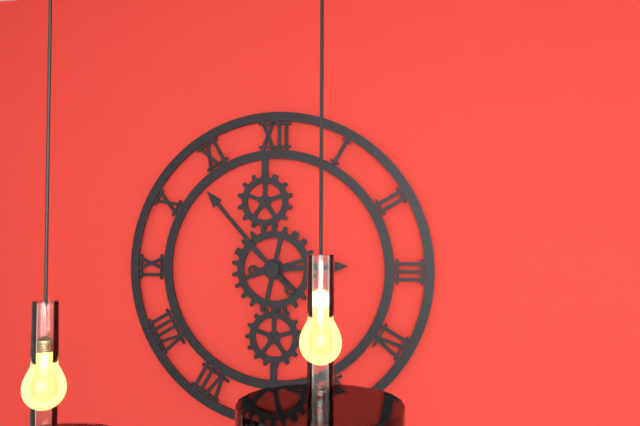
2:53
